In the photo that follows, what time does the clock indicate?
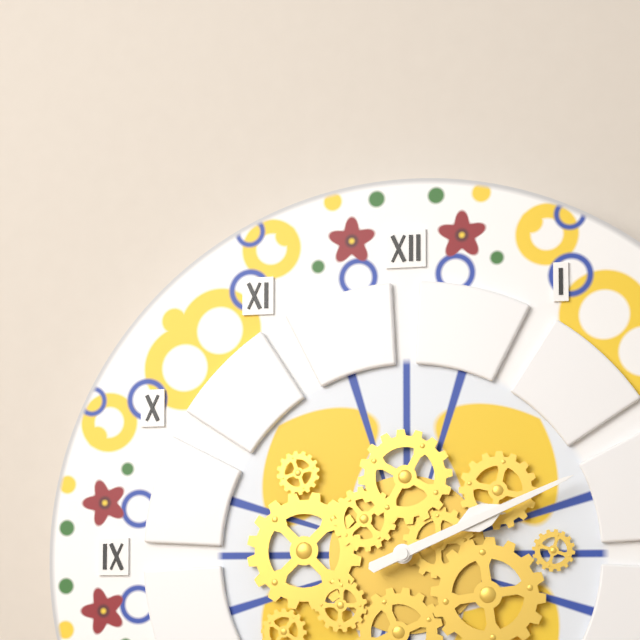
2:11
